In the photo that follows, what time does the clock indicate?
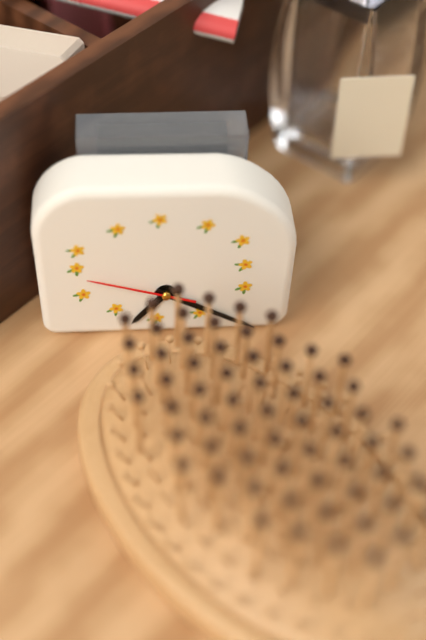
7:20:48
